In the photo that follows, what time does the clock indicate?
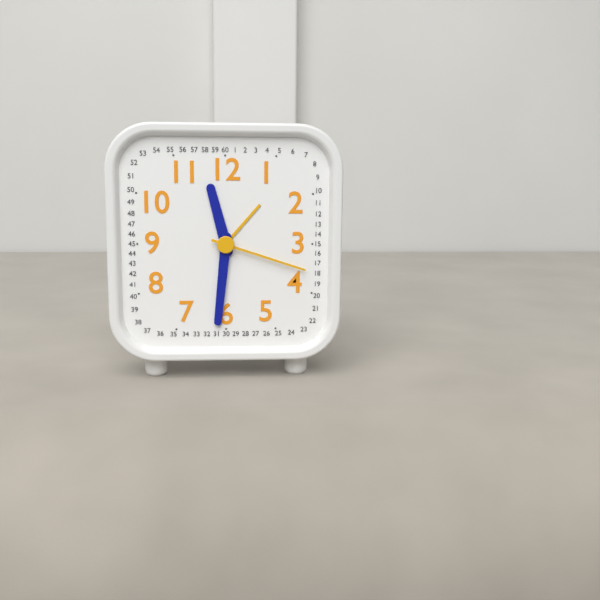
11:31:18
